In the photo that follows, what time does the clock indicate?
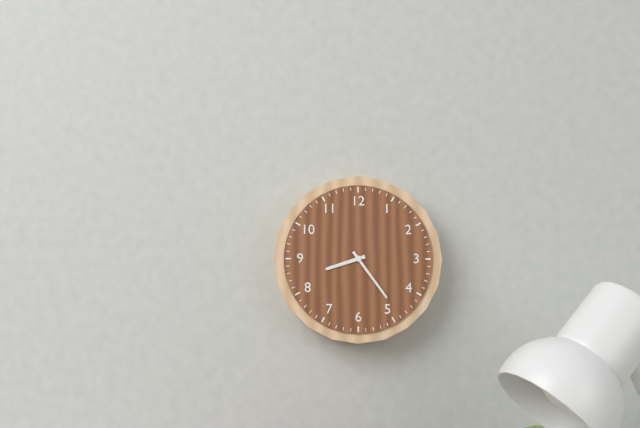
8:24
